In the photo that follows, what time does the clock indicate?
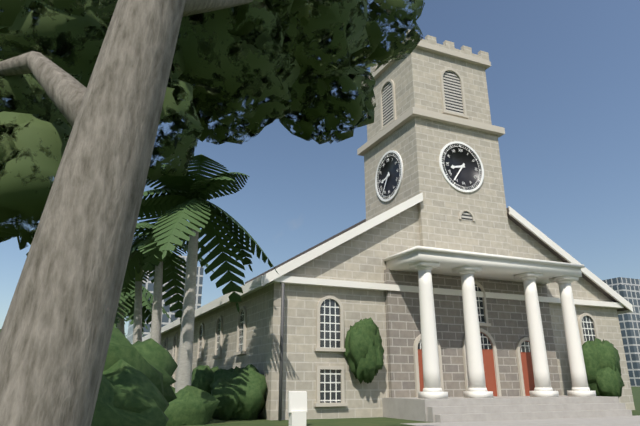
8:36
